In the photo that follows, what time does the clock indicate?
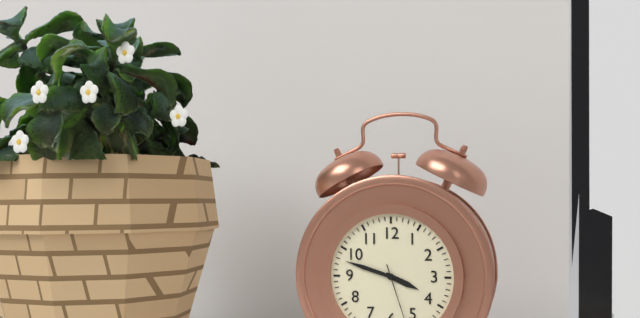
3:48
